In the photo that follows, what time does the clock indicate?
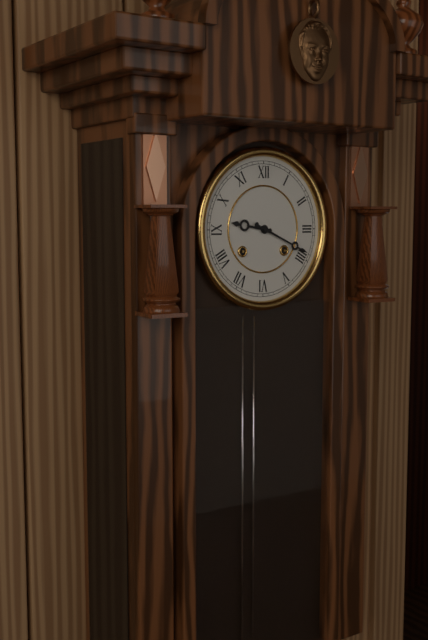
9:19
